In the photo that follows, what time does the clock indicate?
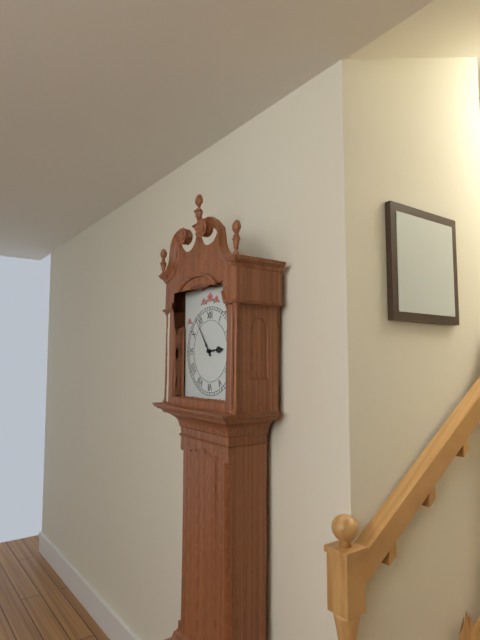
2:54
